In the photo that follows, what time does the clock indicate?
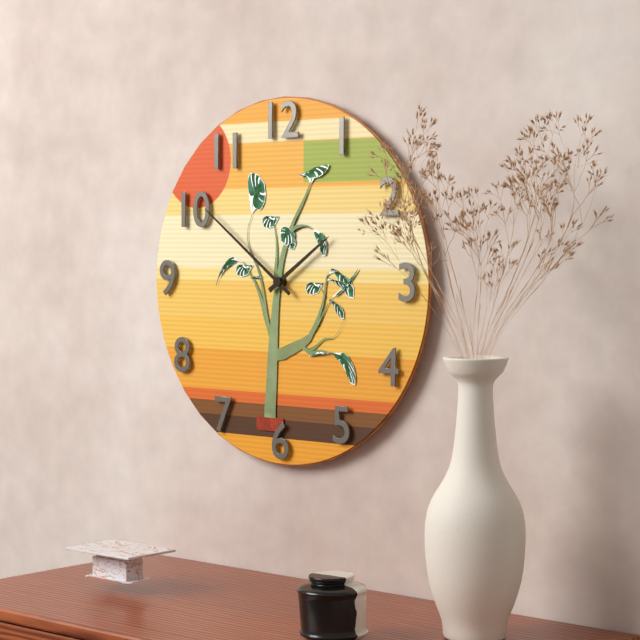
1:51
